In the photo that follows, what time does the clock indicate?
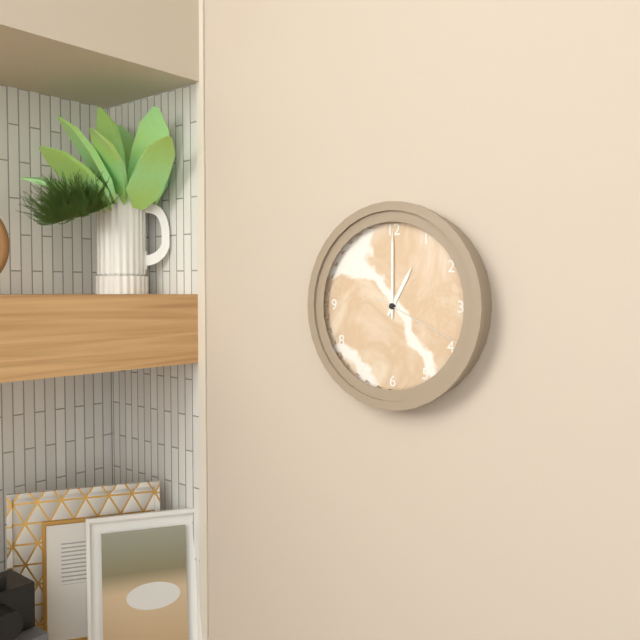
1:00:19
